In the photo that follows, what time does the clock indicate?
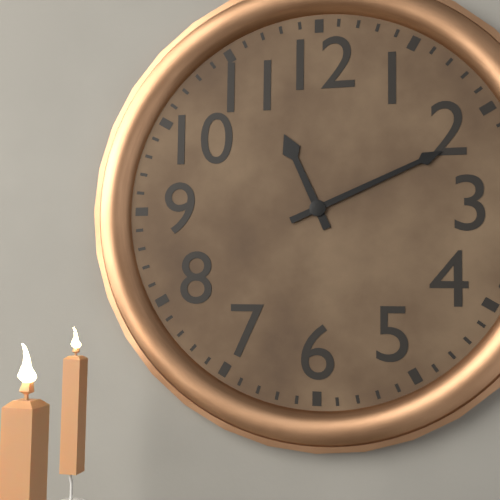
11:11
